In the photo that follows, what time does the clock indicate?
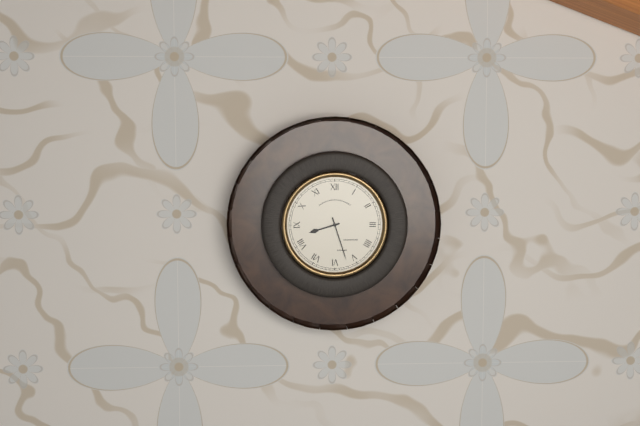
8:27
